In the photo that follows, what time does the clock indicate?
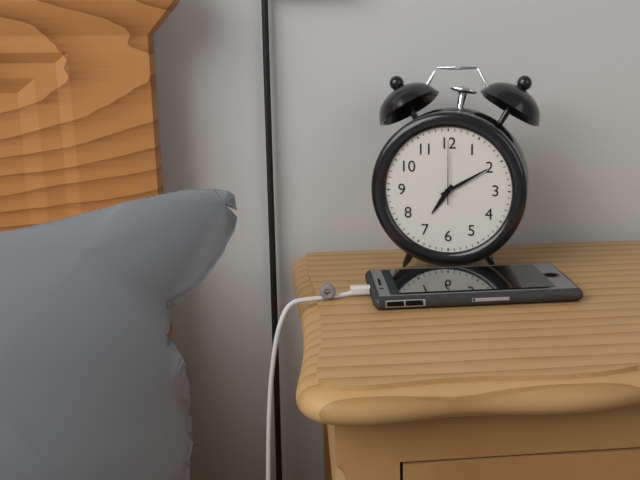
7:10:00
